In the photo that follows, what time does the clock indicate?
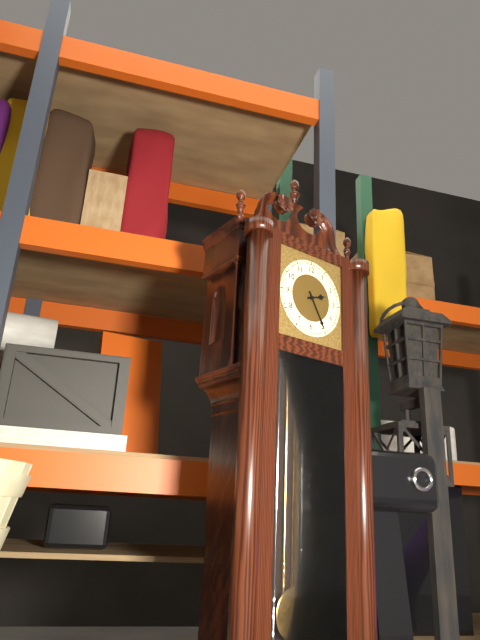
2:25
